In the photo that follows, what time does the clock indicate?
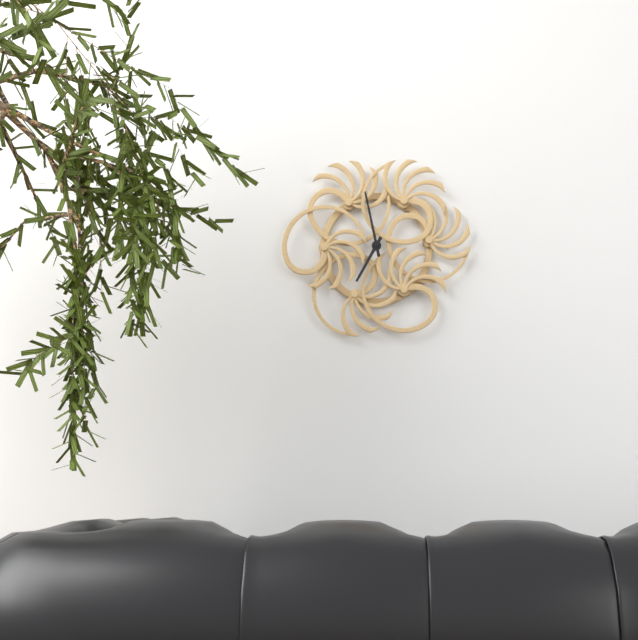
6:58
